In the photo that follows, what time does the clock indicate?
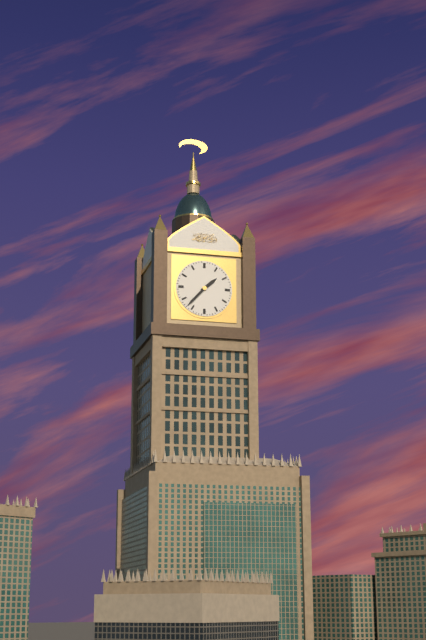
1:37
